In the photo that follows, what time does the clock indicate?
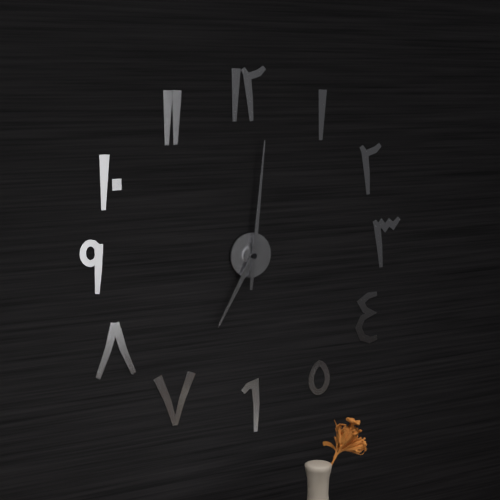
7:01
